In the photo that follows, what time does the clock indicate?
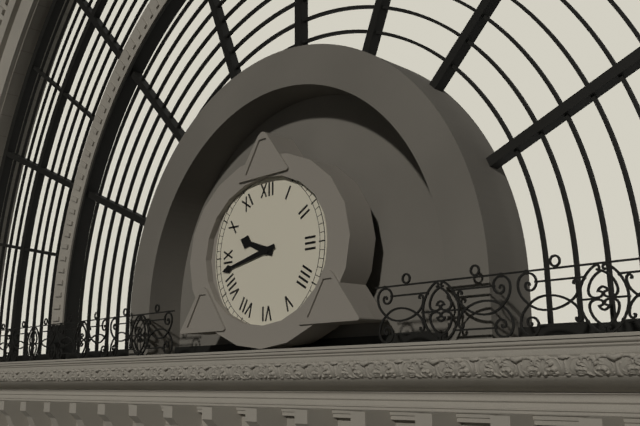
9:43
